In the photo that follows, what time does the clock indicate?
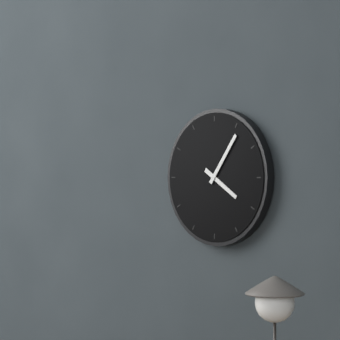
4:06
